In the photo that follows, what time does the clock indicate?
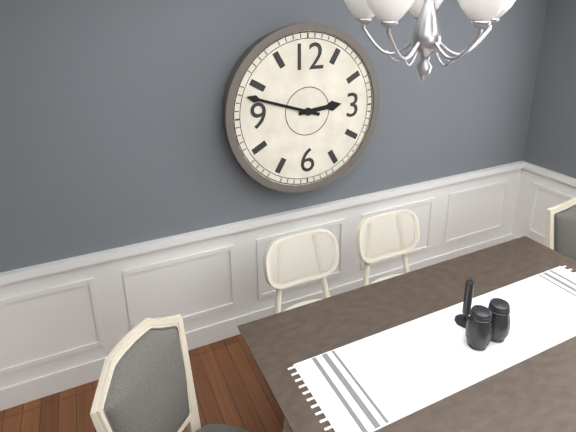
2:48
